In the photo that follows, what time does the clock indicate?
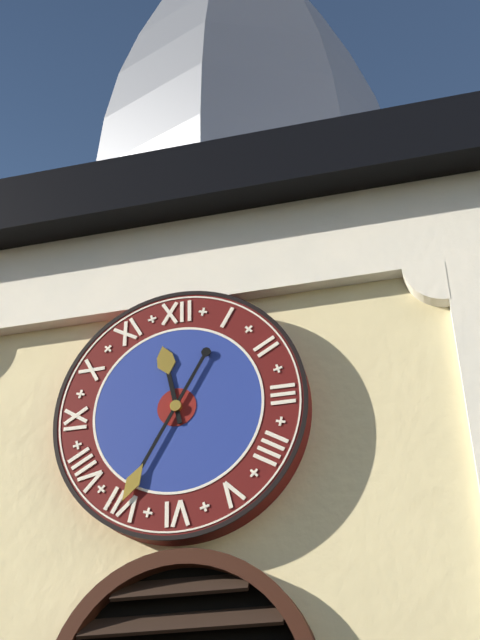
11:35
